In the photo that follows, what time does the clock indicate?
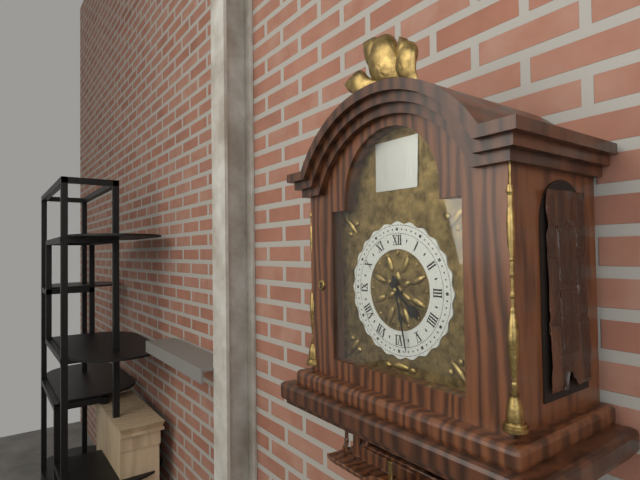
4:28
